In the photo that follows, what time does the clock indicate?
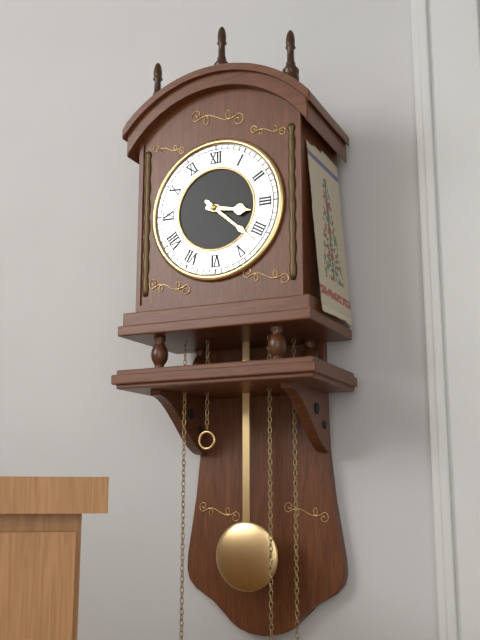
3:22
